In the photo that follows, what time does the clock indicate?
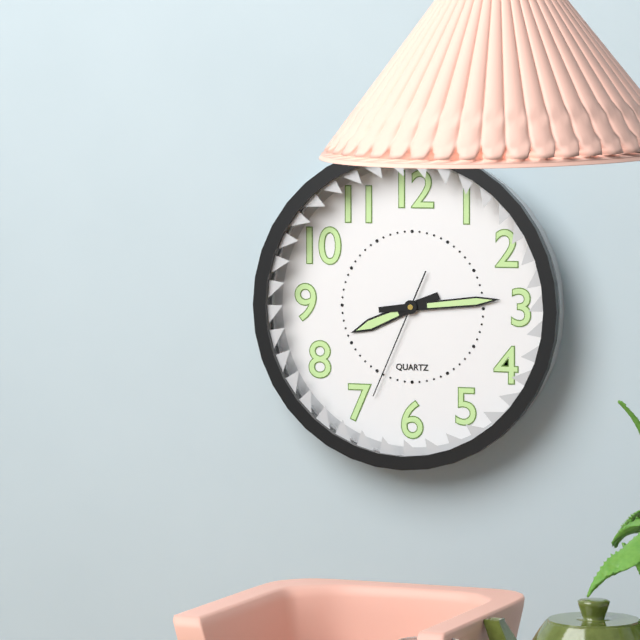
8:14:34
